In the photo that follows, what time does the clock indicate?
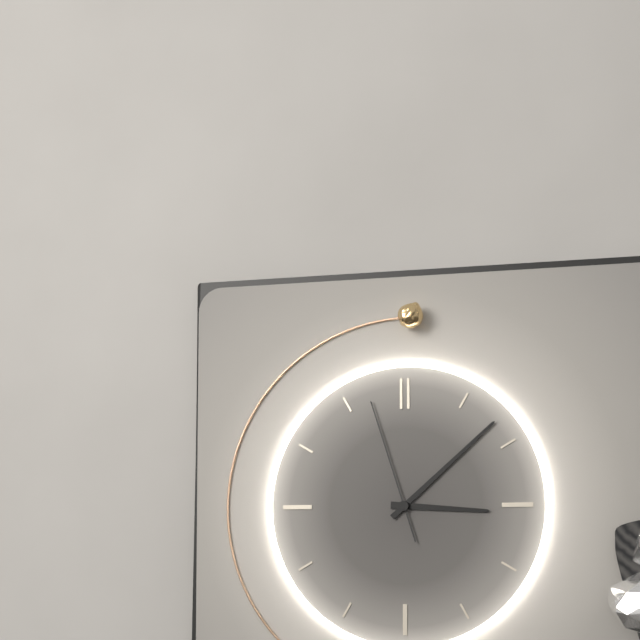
3:08:57
